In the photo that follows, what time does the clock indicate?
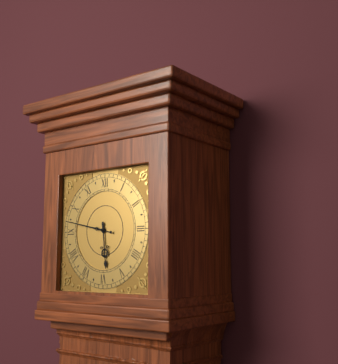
5:47
